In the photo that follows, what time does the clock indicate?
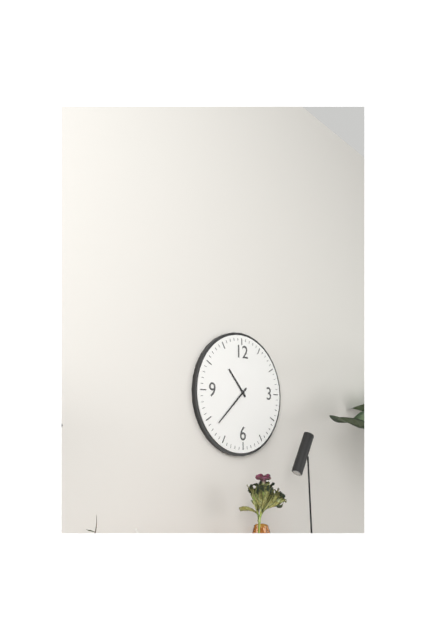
10:38
